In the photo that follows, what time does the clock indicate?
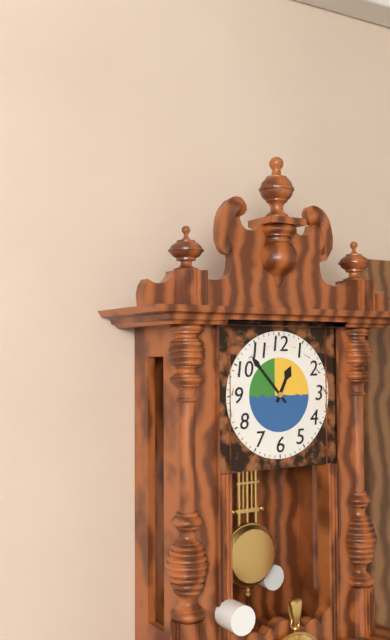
12:53
